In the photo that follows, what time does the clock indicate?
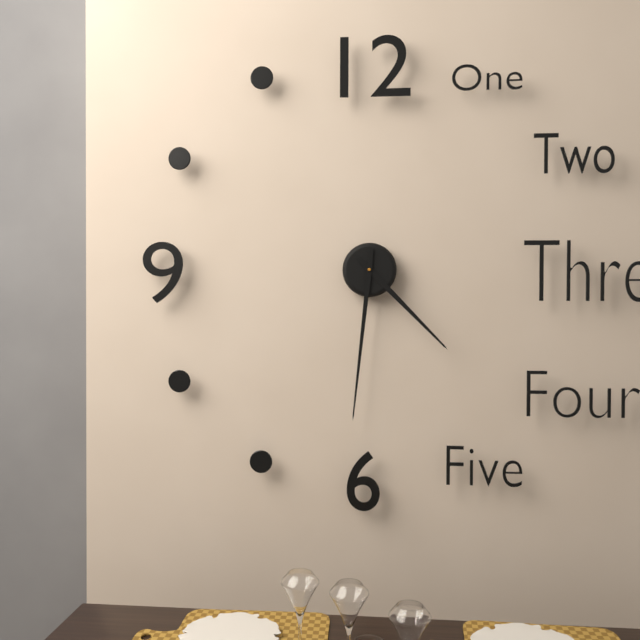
4:31
